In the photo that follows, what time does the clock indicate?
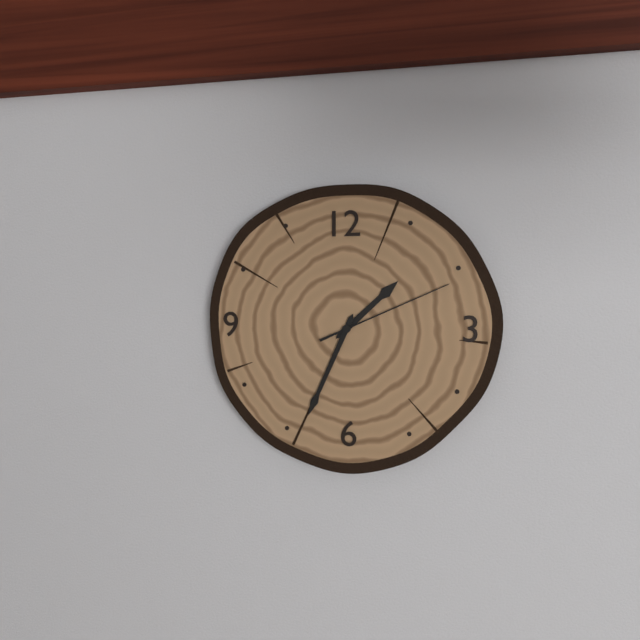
1:34:11
